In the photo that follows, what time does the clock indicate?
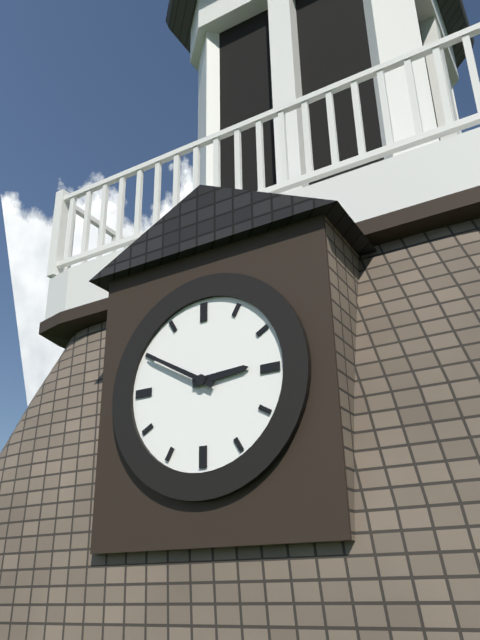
2:50
